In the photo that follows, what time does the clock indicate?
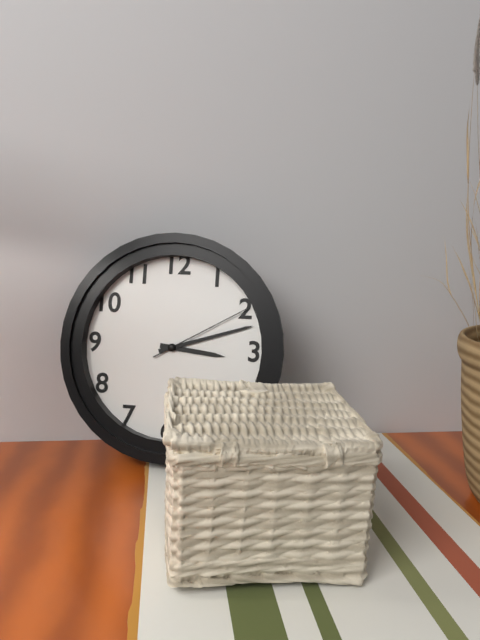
3:12:10
